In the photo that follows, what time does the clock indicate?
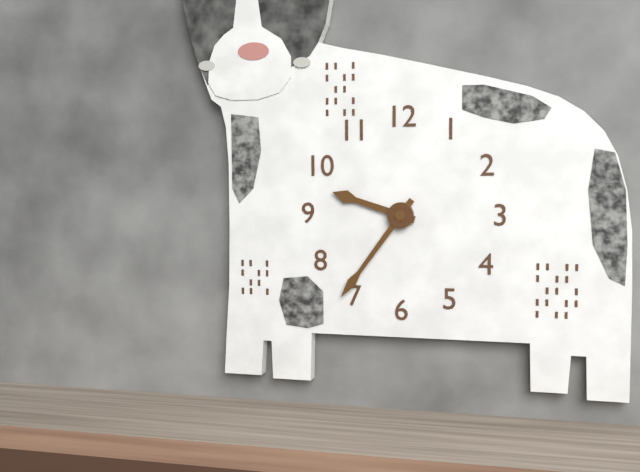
9:36
